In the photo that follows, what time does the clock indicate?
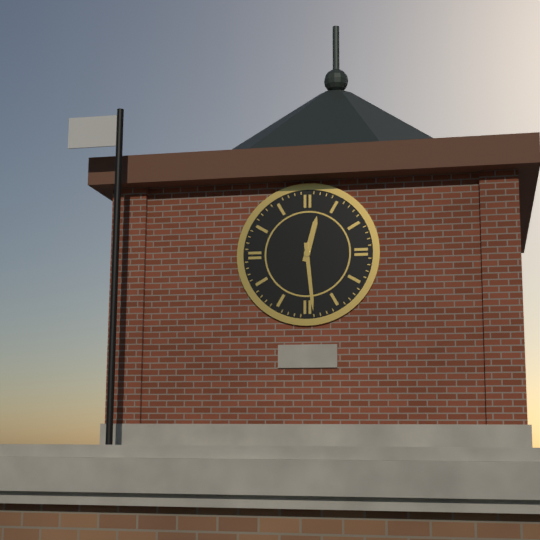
12:29
